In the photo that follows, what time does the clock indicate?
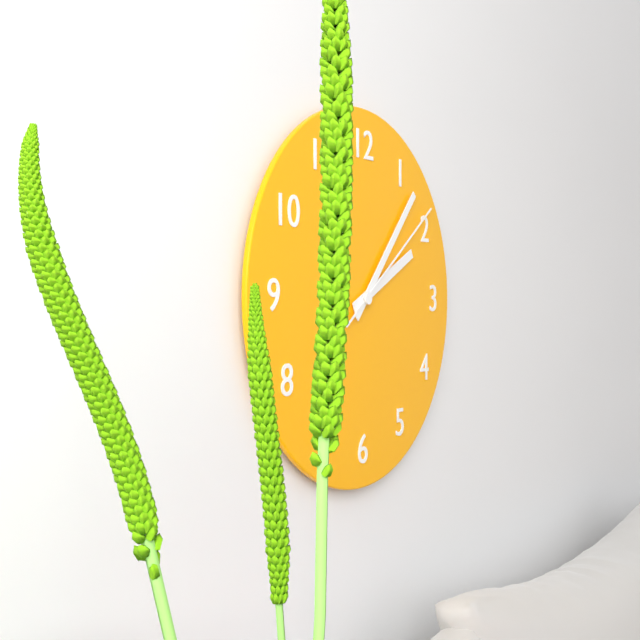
2:07:09
